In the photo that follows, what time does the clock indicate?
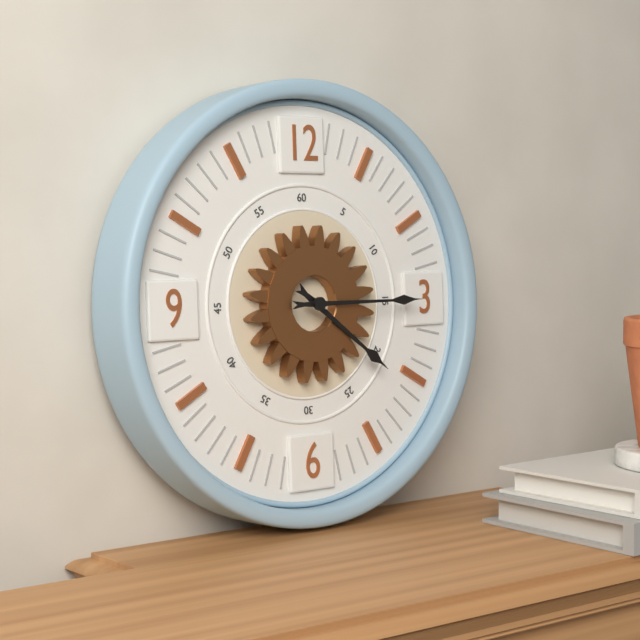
4:15
